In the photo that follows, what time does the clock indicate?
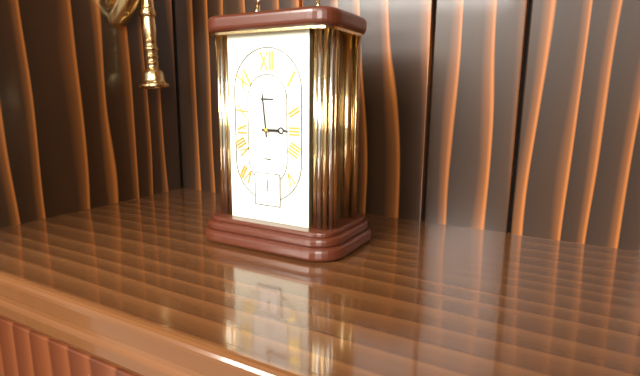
2:59
